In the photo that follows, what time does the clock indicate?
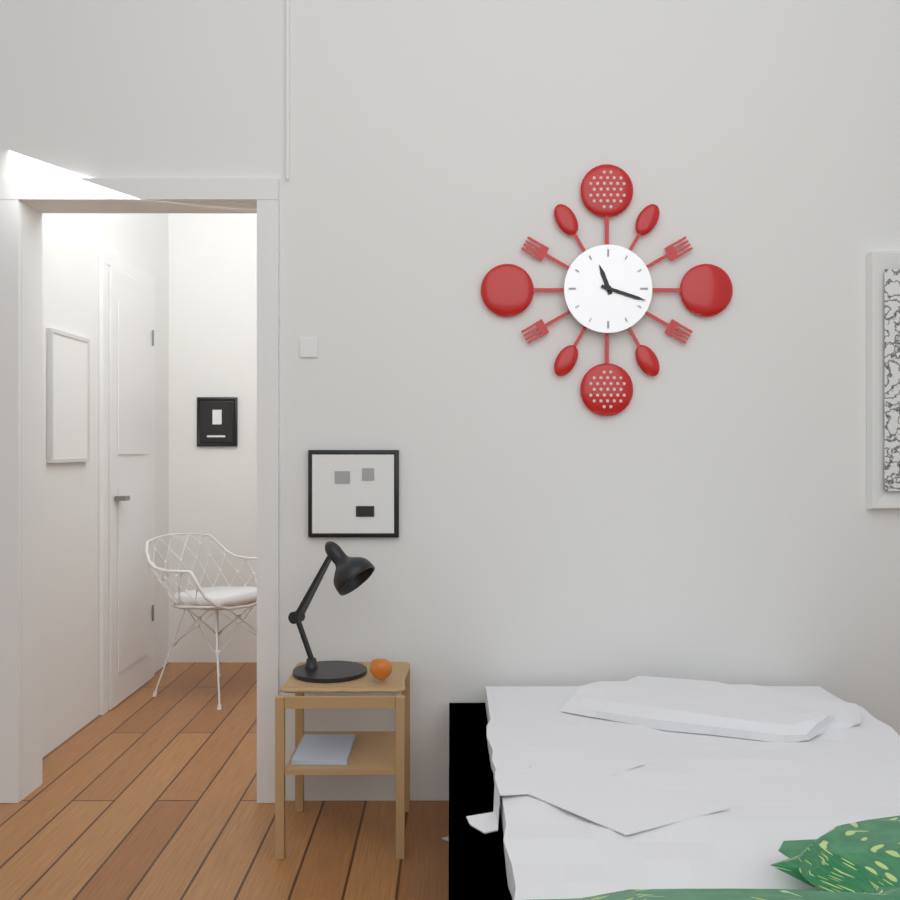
11:18
